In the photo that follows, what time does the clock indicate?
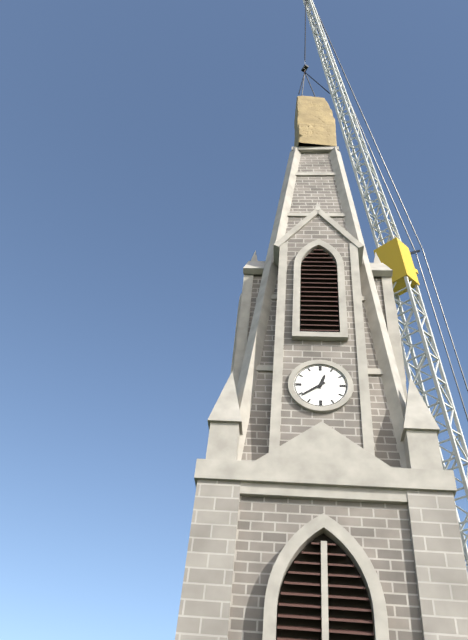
12:39
